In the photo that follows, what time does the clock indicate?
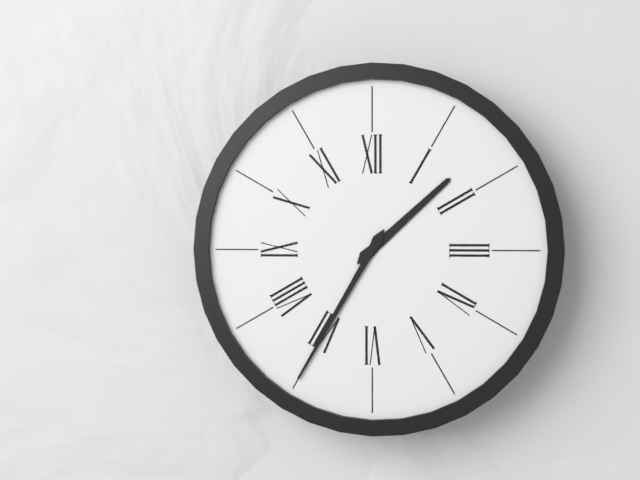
1:35
